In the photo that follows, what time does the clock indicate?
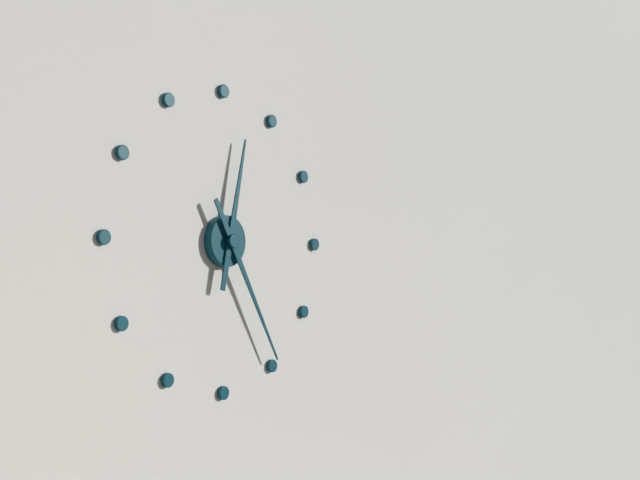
12:25
